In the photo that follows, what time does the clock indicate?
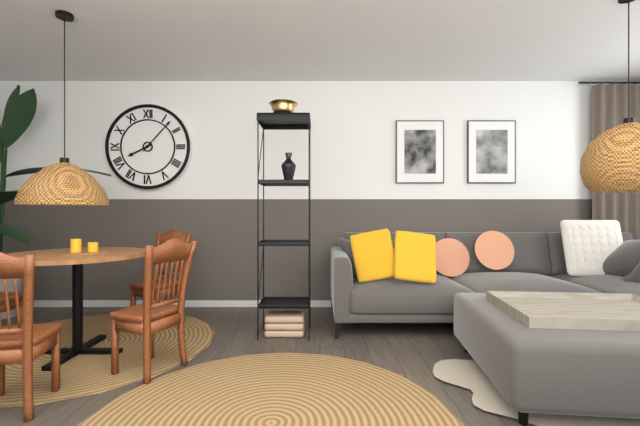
8:07
